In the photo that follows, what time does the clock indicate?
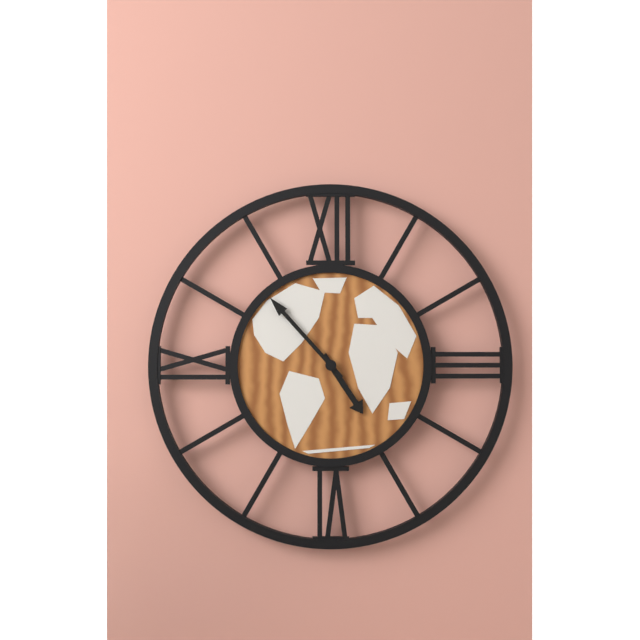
4:53
